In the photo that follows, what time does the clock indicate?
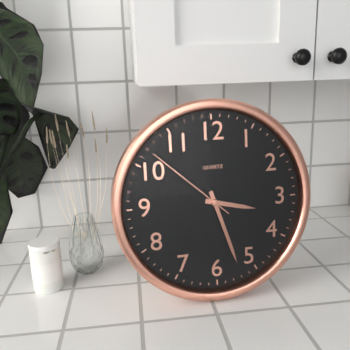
3:27:52
